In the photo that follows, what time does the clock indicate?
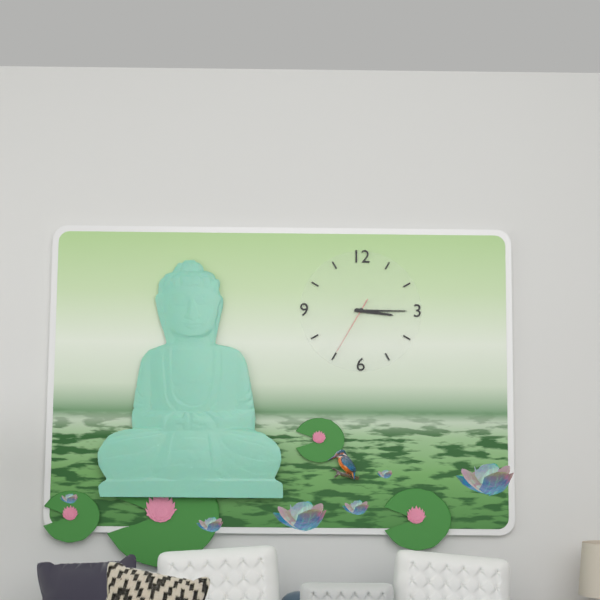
3:15:35
